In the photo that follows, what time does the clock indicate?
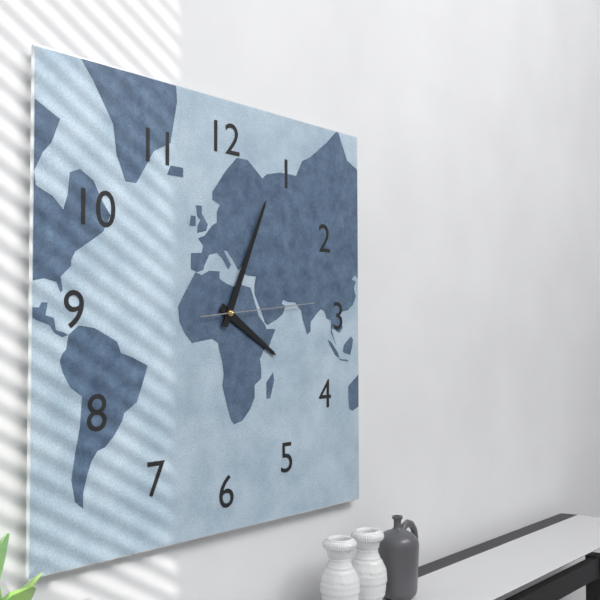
4:04:14
